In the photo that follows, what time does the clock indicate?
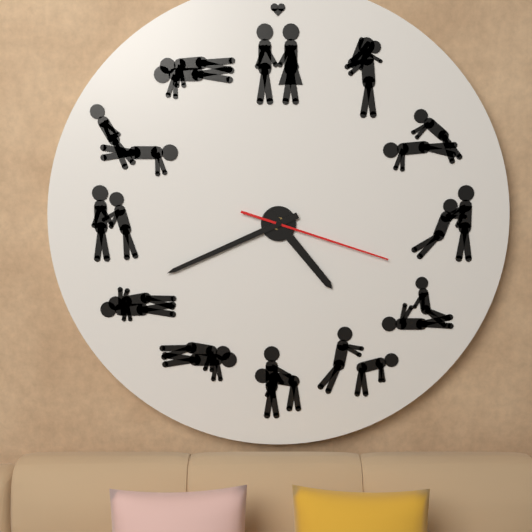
4:41:18
